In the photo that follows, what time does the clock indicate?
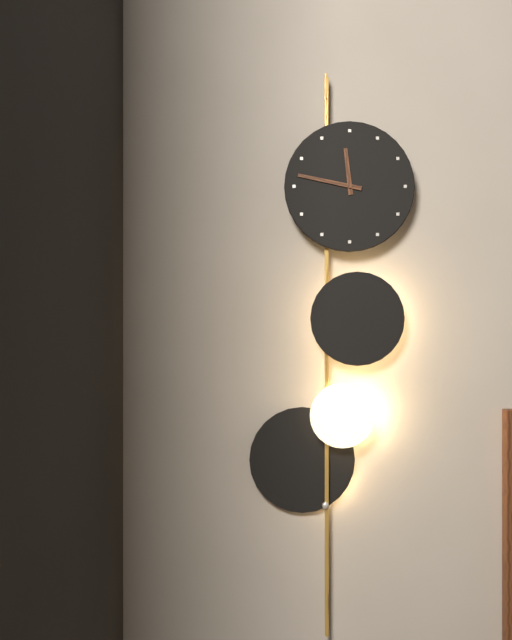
11:47
